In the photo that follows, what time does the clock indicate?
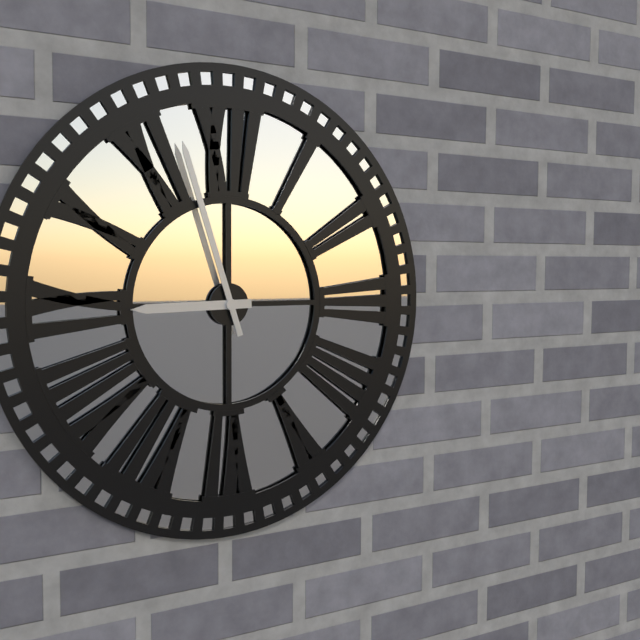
8:57
